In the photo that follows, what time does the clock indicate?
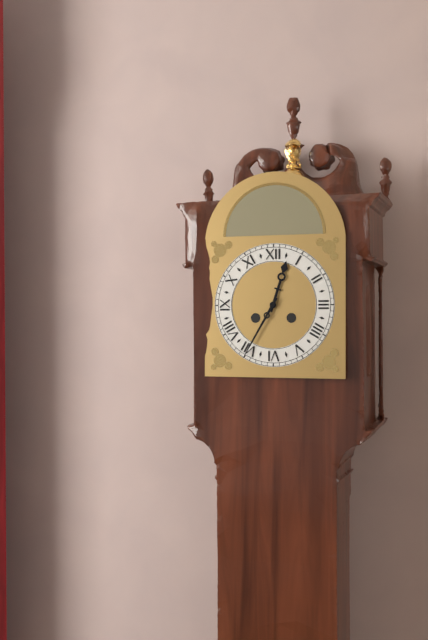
12:35
